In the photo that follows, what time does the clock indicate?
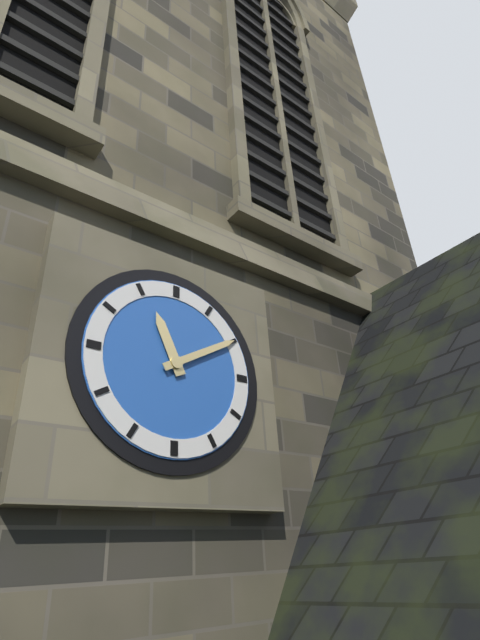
11:10
